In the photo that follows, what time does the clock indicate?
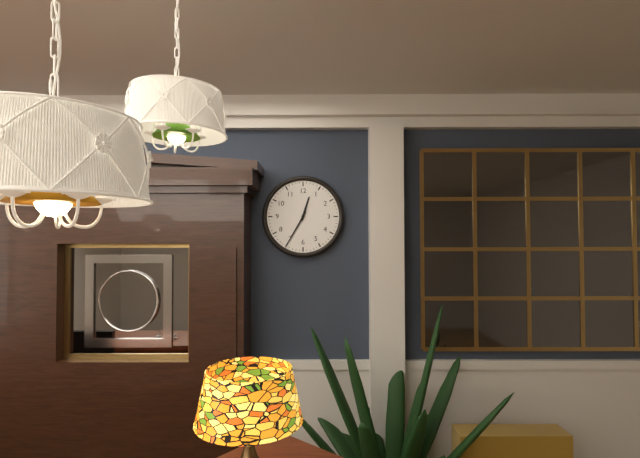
12:35
